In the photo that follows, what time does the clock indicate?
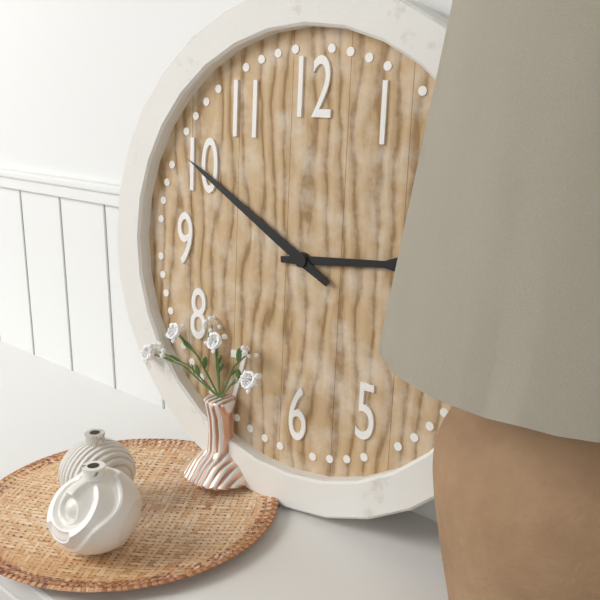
2:50
